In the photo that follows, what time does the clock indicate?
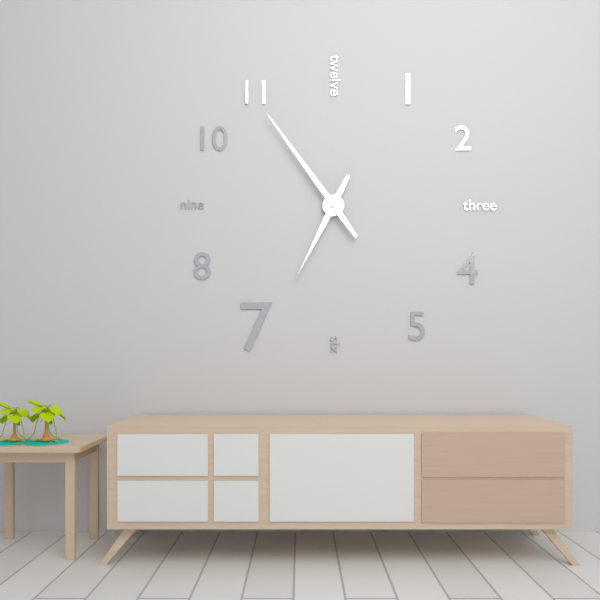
6:54
